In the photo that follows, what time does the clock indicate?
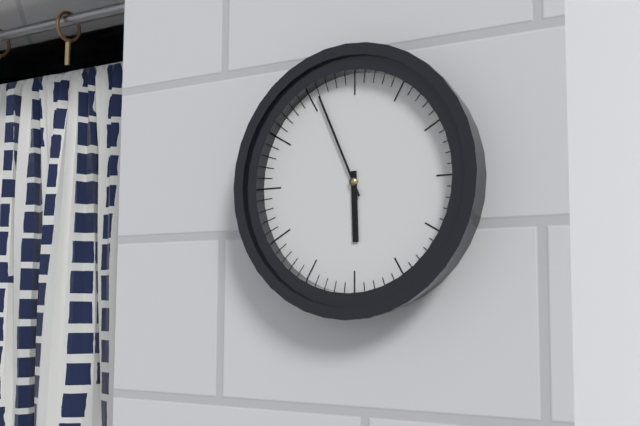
5:56
